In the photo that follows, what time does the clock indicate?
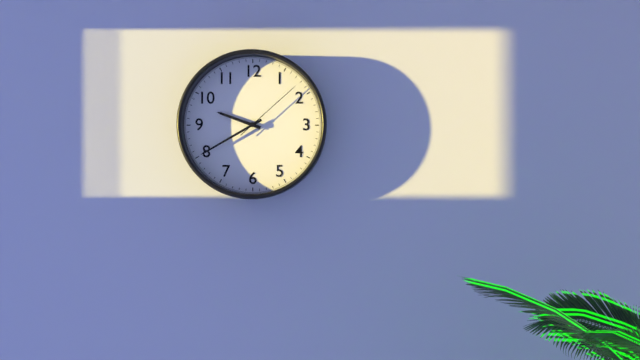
9:40:08
